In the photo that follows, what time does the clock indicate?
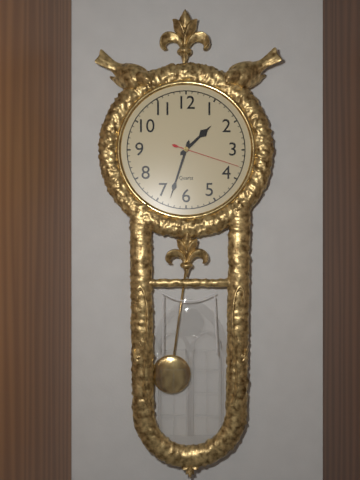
1:33:18
